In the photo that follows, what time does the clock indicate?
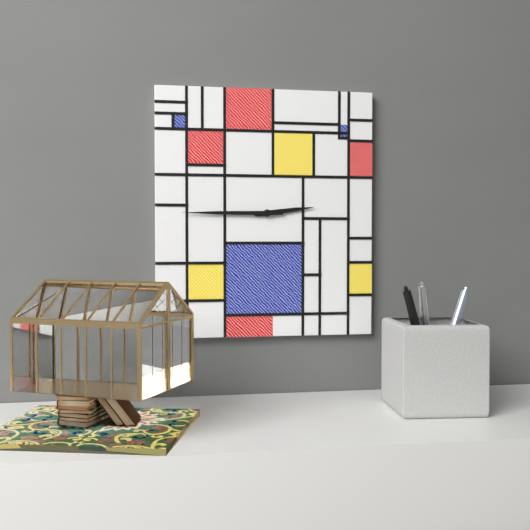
2:45
